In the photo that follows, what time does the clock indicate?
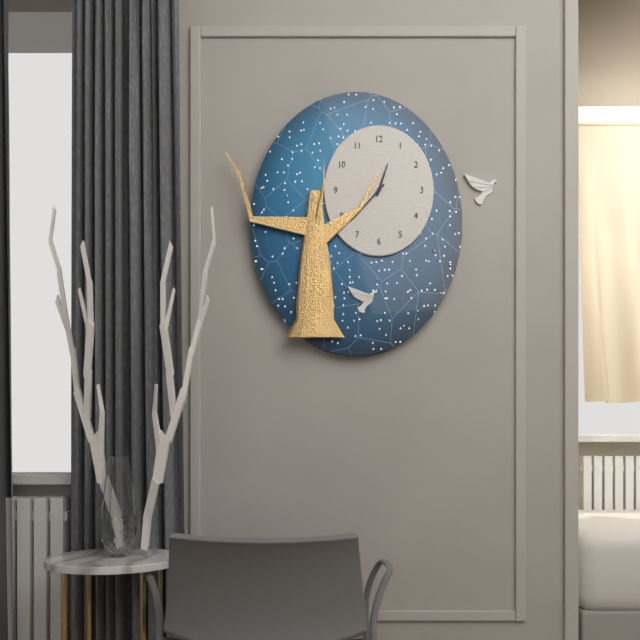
12:37
